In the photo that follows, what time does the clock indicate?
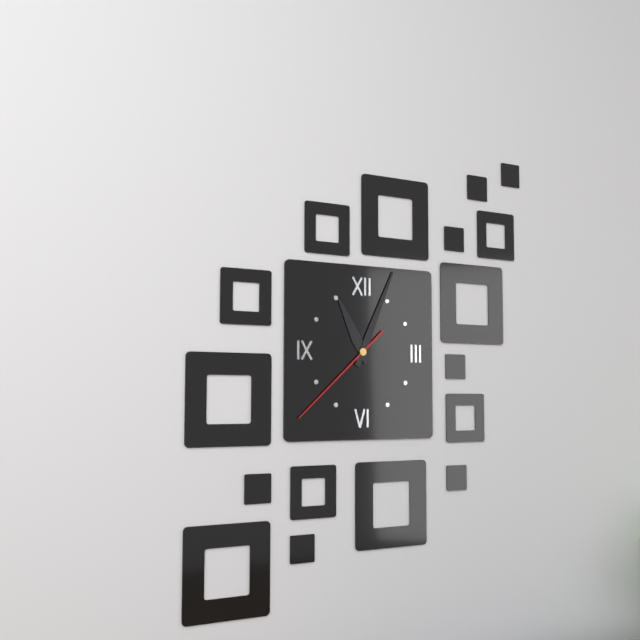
11:04:38
